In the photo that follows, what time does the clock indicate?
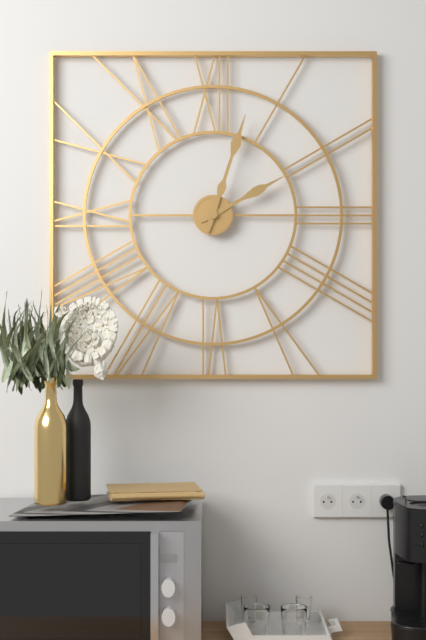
2:03
